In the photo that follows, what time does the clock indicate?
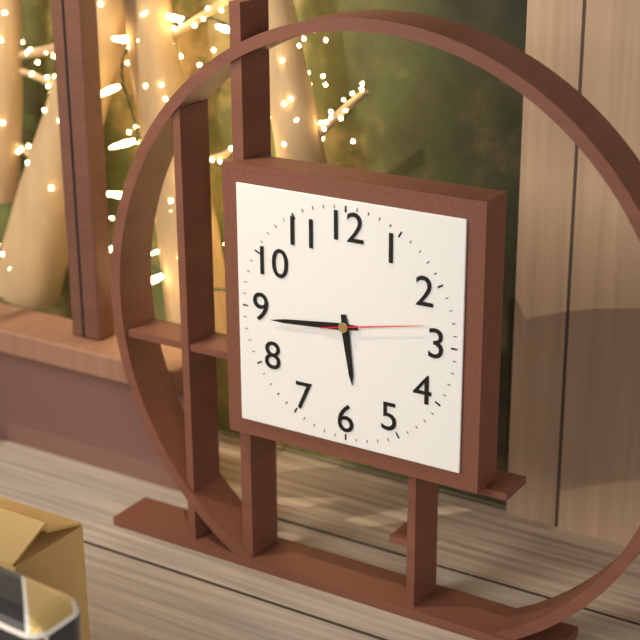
5:44:13
